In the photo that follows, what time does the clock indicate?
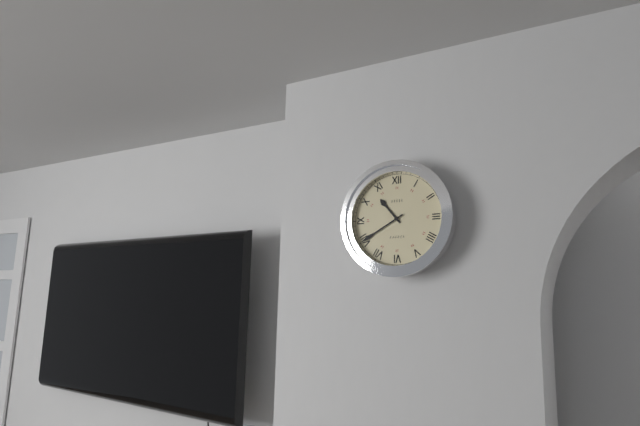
10:40
